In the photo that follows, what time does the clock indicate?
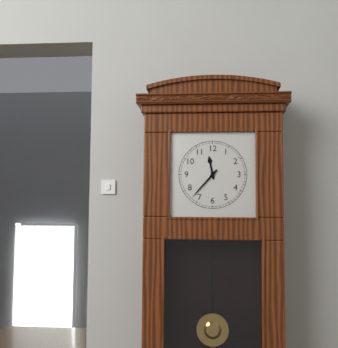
11:37
